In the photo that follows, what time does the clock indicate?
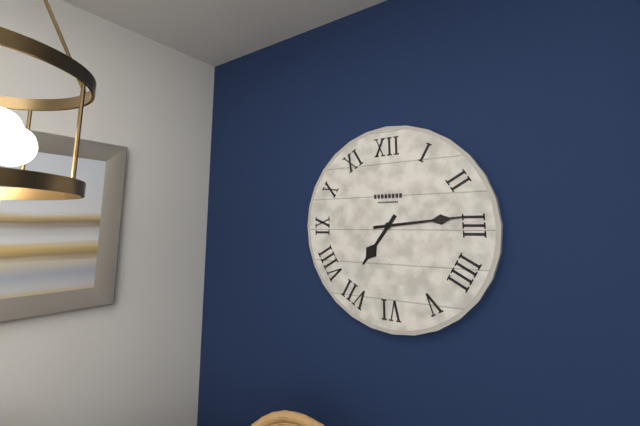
7:14
